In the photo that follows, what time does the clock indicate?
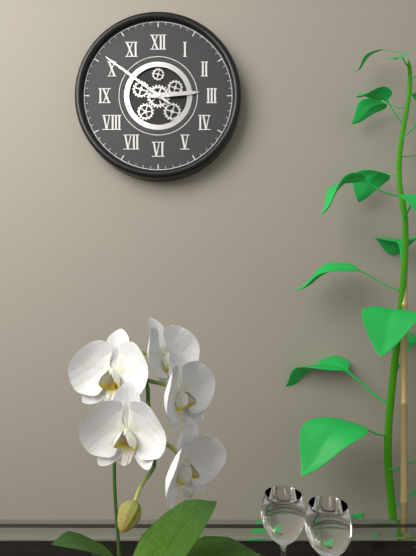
2:51
